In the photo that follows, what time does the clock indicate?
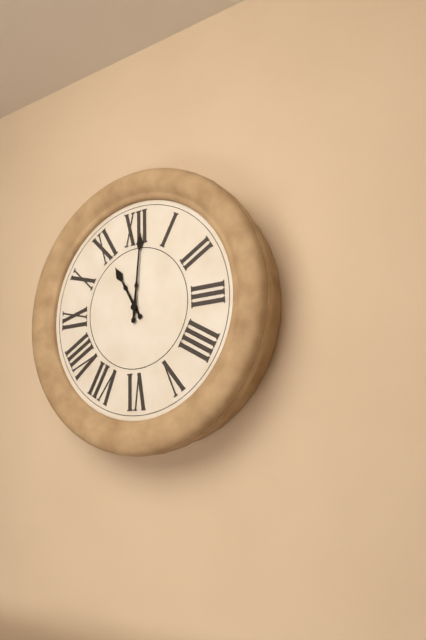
11:01
